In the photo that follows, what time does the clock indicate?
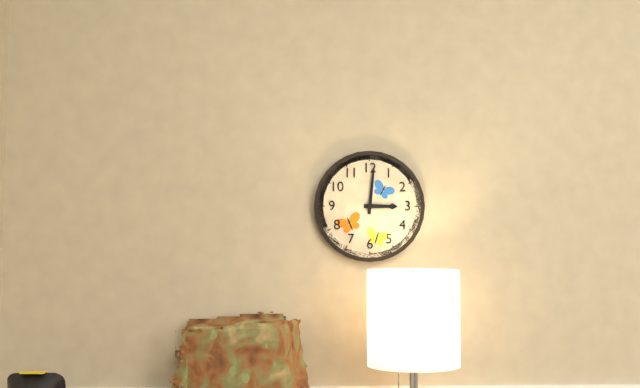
3:01
